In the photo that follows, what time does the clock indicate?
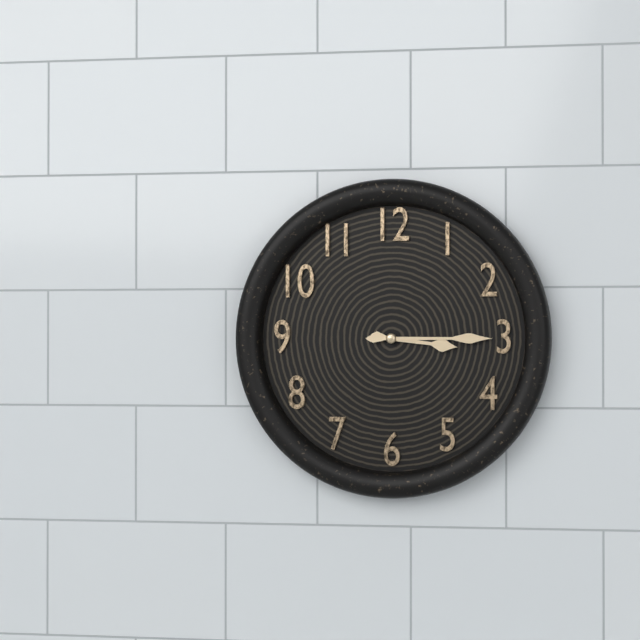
3:15
